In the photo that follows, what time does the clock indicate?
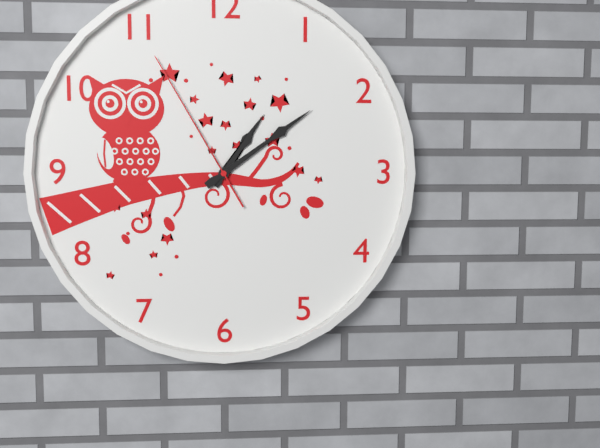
1:09:55
